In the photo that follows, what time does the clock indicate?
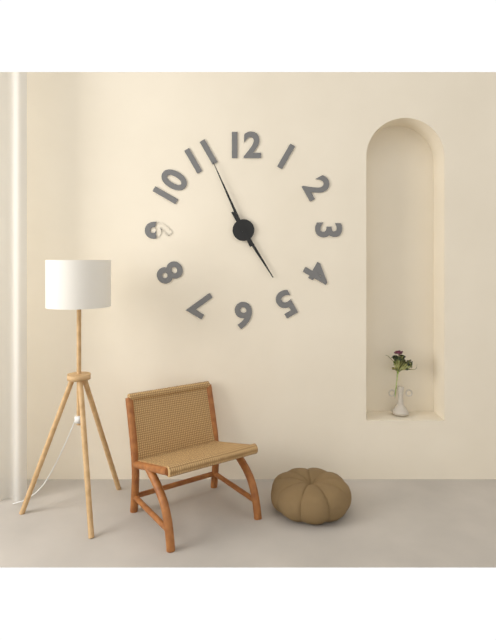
4:56
